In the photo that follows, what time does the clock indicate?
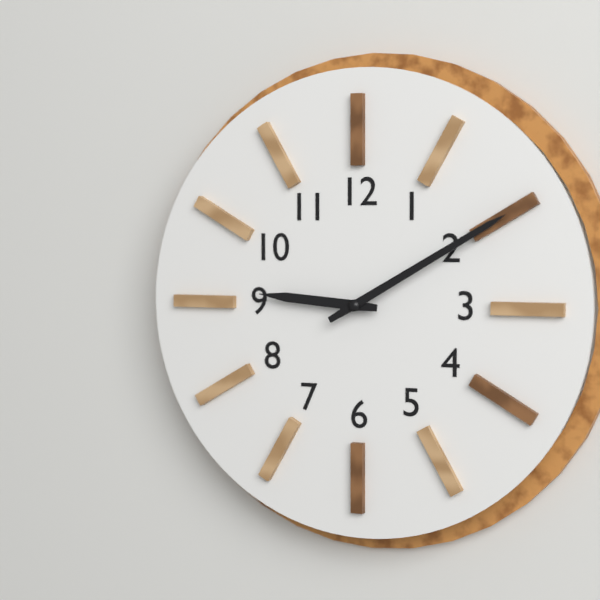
9:10
